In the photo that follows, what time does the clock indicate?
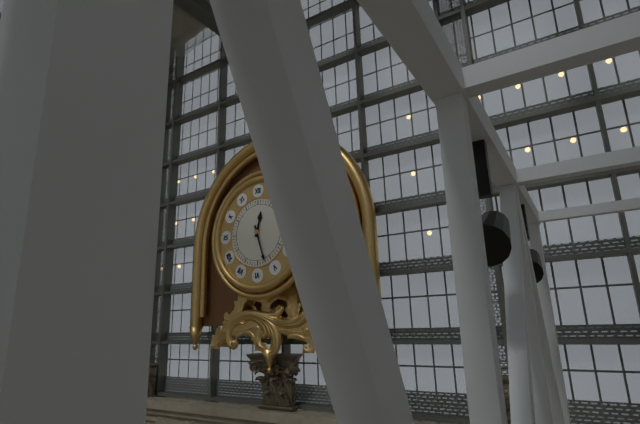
12:27
